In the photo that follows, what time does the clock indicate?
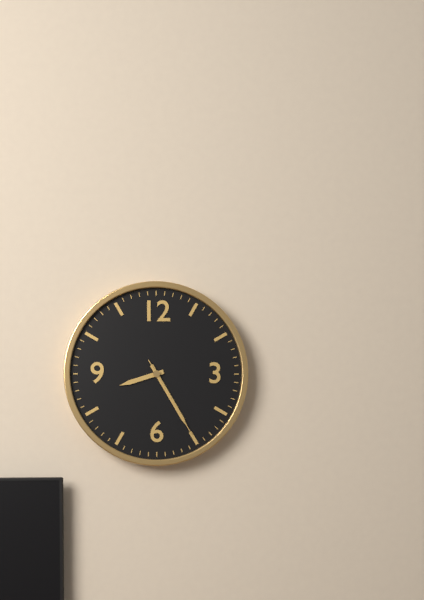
8:25:25
